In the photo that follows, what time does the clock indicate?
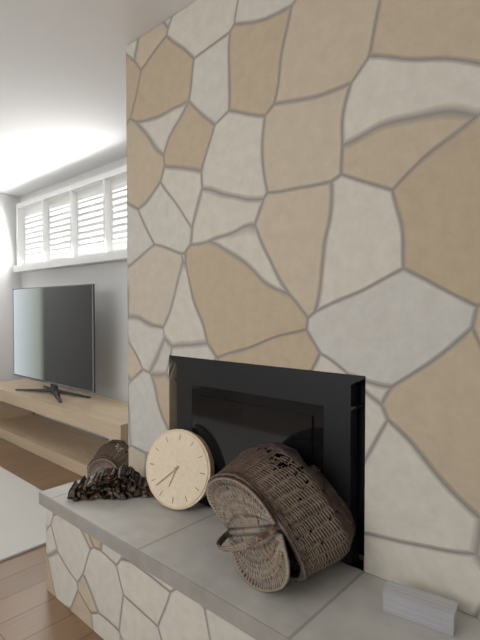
6:38
